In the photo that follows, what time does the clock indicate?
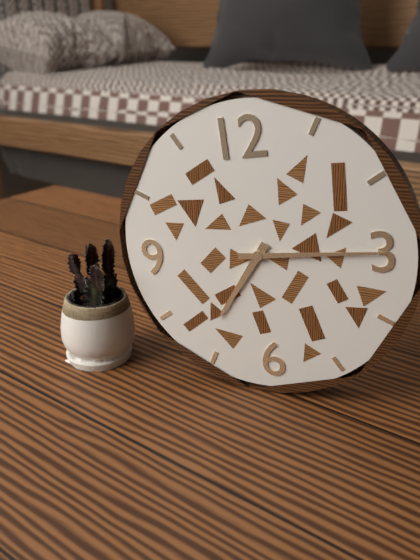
7:15
